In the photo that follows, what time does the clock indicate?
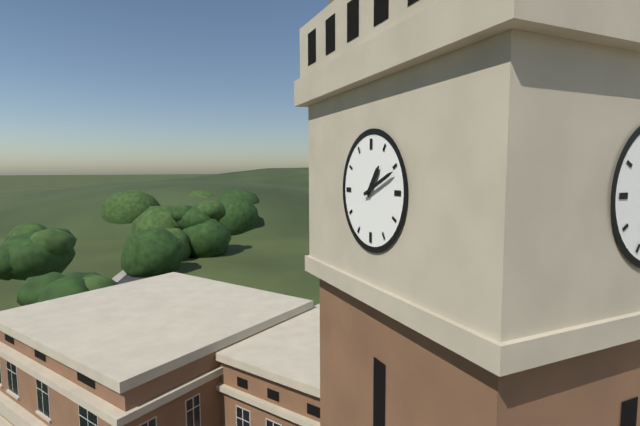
1:11
